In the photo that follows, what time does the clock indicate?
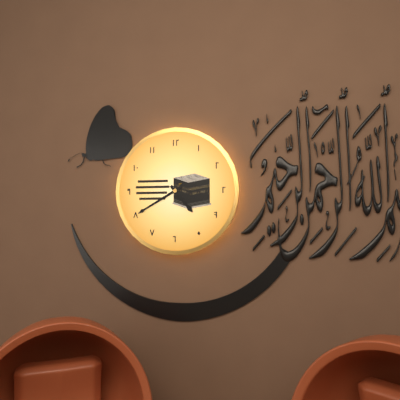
4:40
